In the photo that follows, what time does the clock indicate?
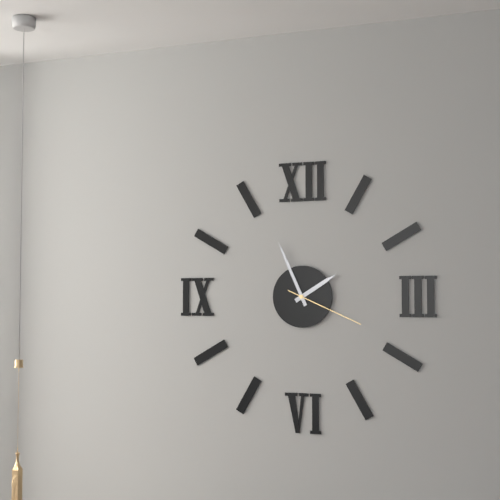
1:56:19
